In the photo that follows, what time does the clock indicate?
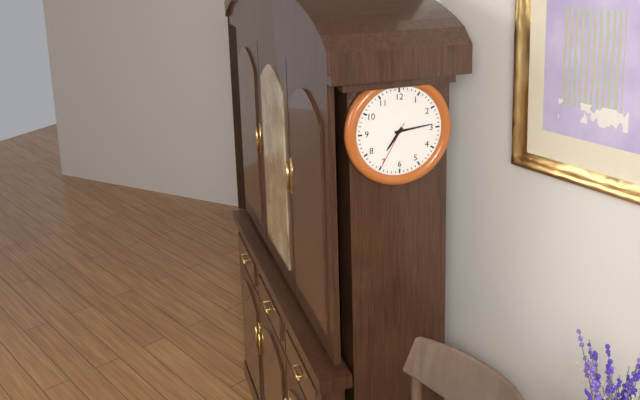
7:14:35
